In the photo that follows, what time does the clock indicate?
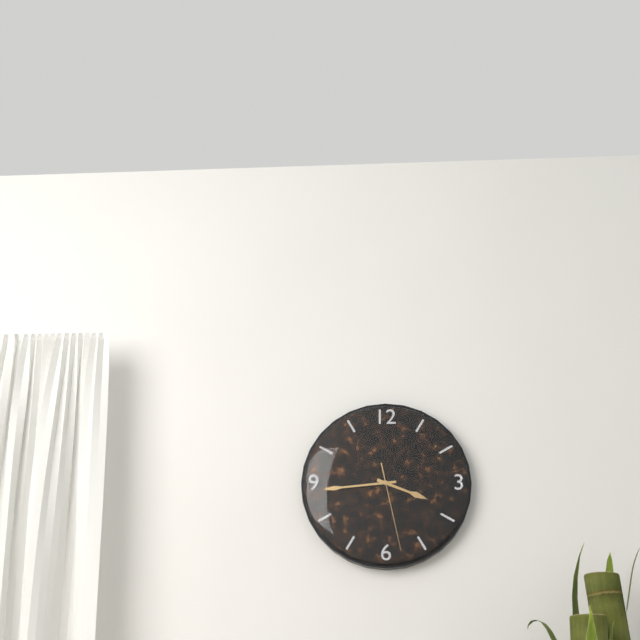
3:44:28
